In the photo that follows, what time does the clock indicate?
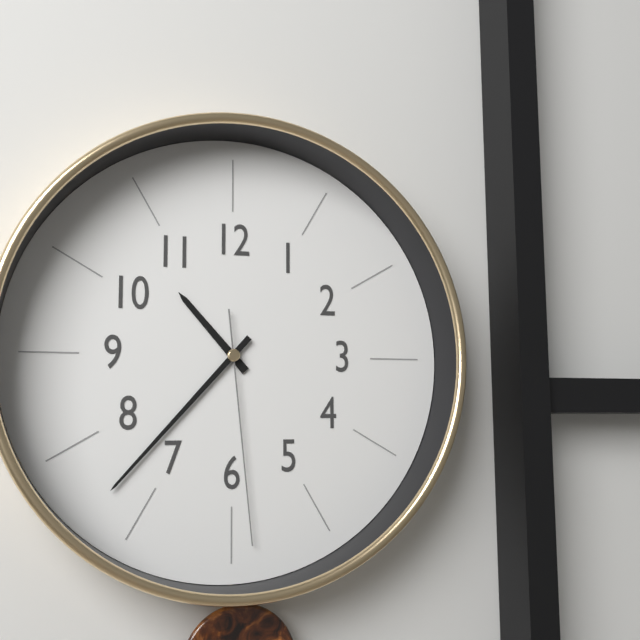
10:37:29
